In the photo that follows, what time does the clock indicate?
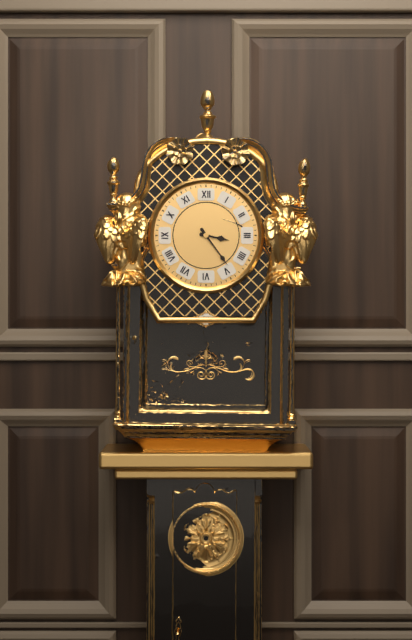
3:24
